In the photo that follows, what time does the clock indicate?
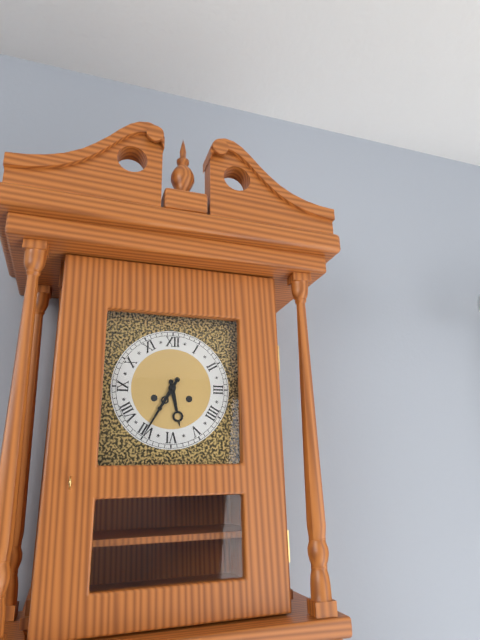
5:35
